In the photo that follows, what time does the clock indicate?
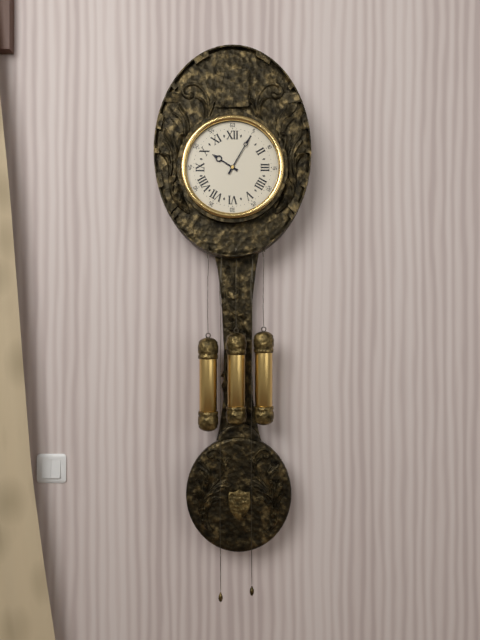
10:05
